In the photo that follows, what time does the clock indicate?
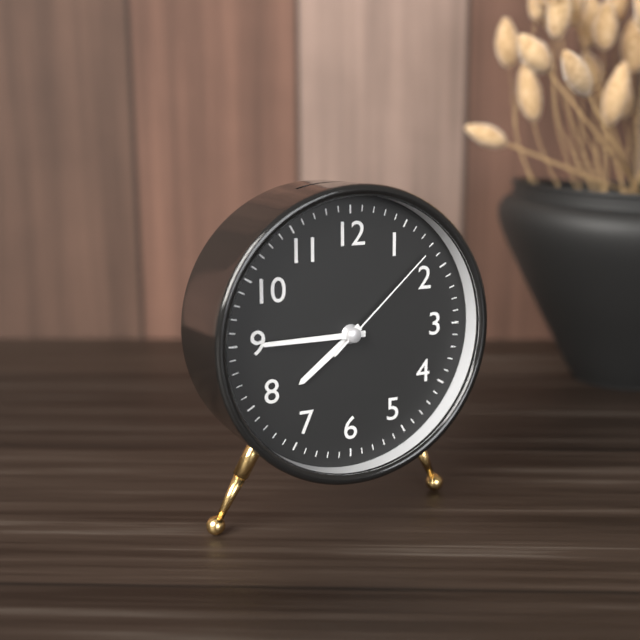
7:45:08
